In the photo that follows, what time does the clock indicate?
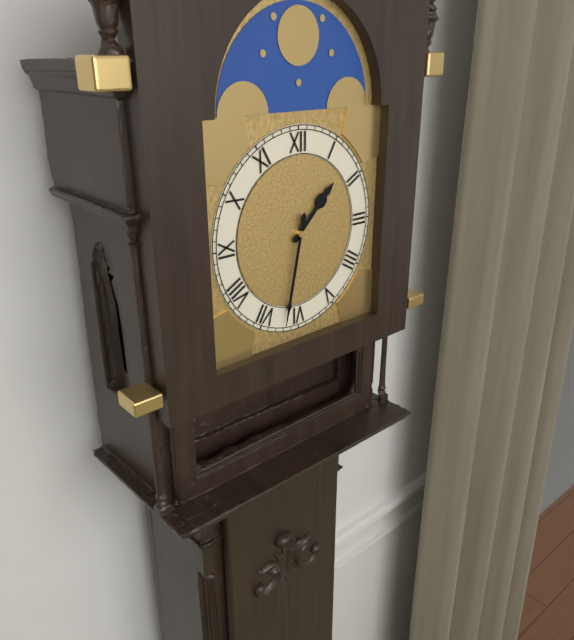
1:32
